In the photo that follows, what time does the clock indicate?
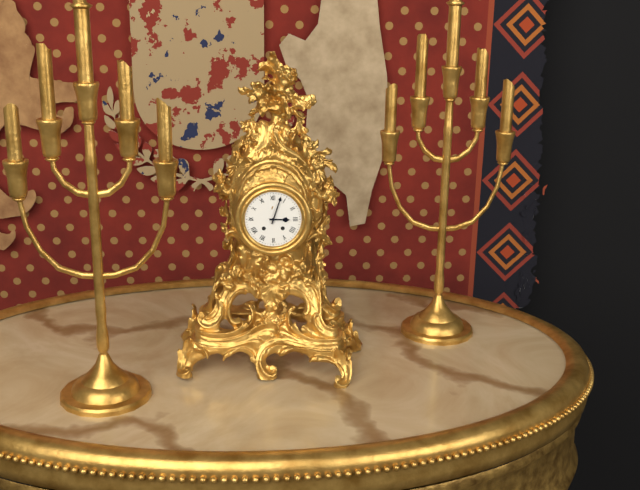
3:03
